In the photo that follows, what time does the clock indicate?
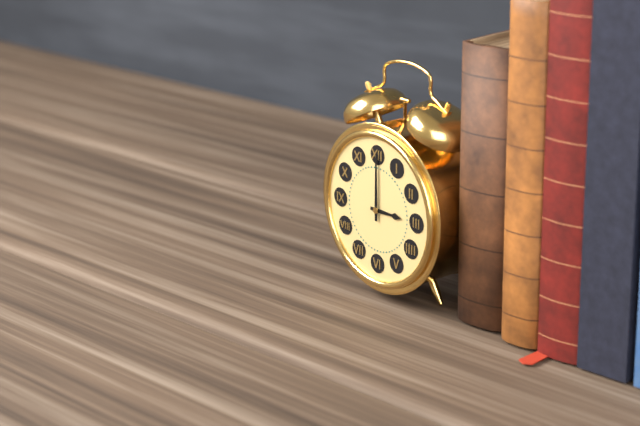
3:00
